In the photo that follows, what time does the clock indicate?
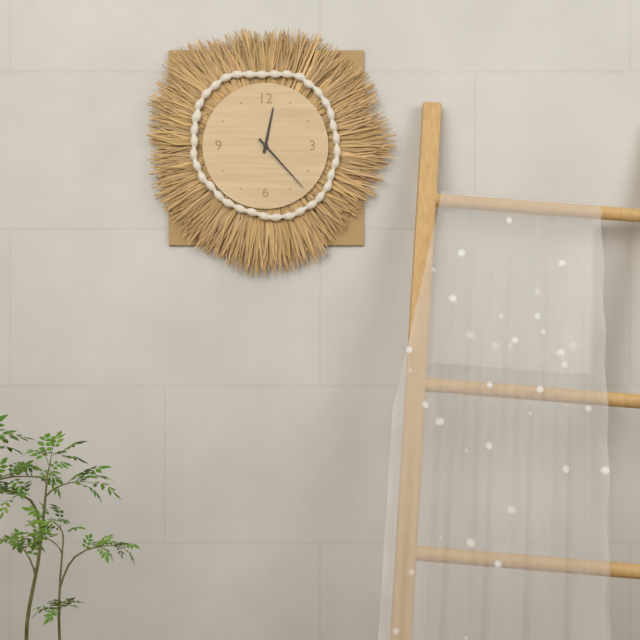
12:23
